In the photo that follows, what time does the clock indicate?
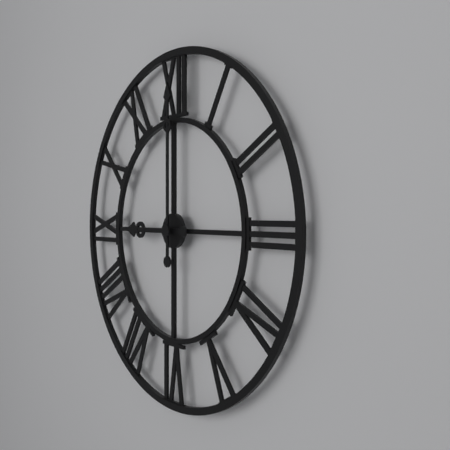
9:00
